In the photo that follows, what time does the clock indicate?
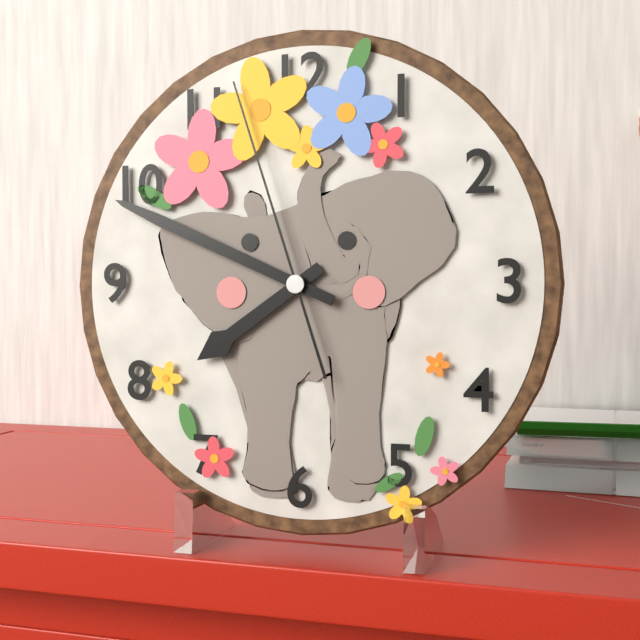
7:49:57
